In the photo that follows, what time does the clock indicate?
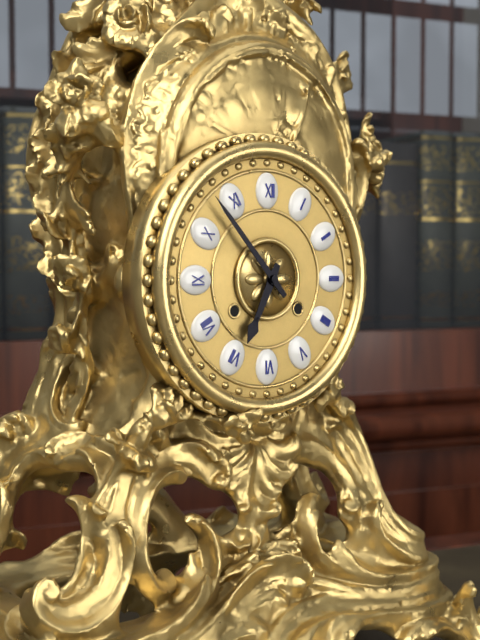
6:53
